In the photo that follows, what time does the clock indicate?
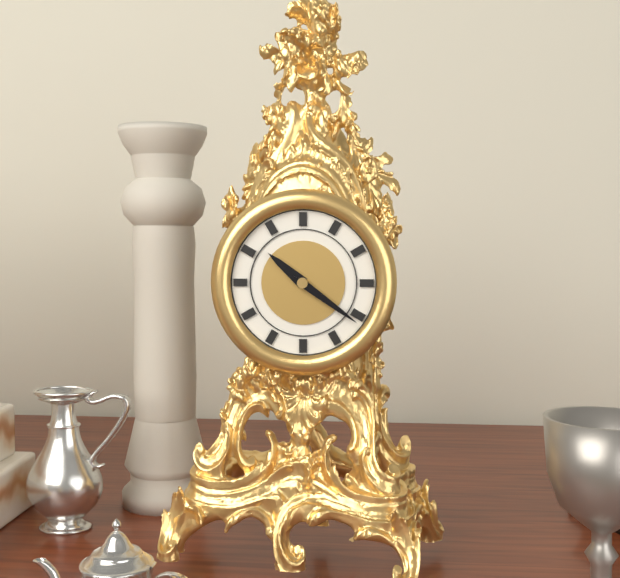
10:21
